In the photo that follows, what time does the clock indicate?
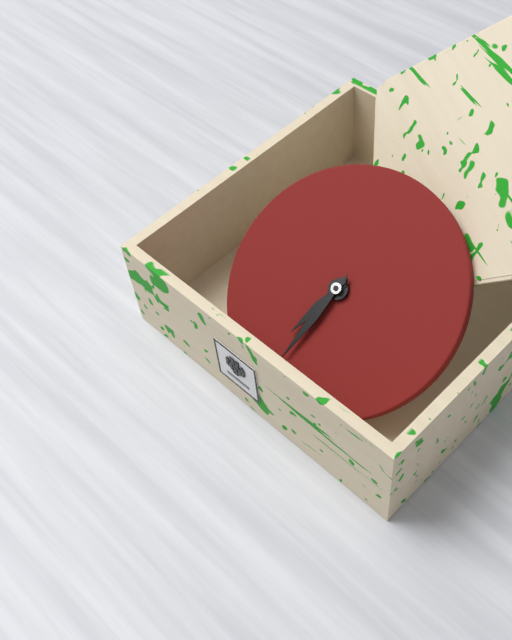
6:31
